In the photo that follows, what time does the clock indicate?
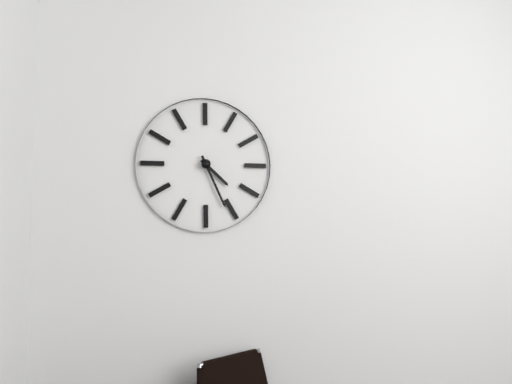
4:26
